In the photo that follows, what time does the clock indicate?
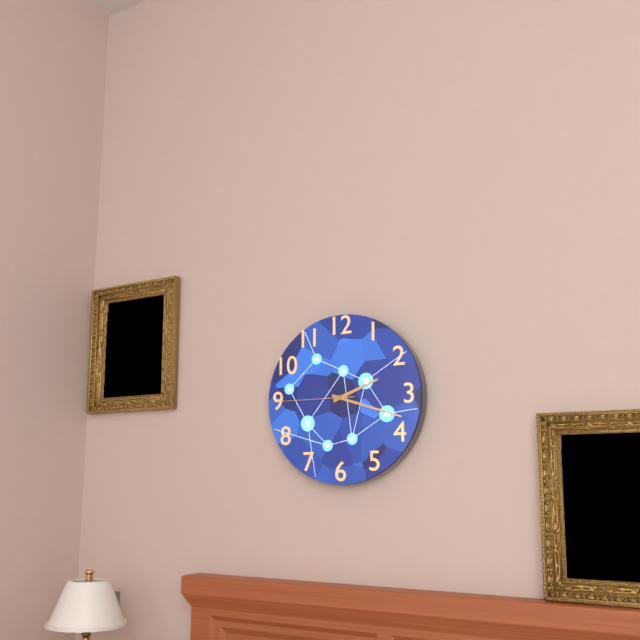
2:18:45
